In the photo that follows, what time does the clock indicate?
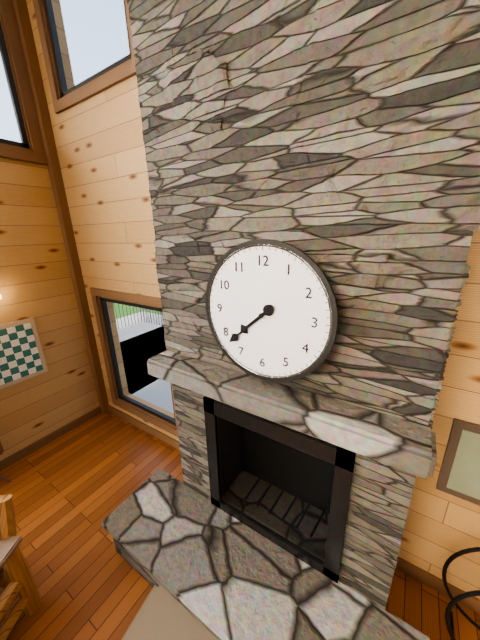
7:38
